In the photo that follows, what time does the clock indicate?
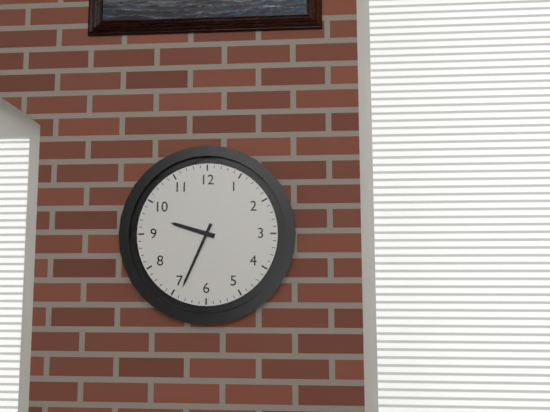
9:34
